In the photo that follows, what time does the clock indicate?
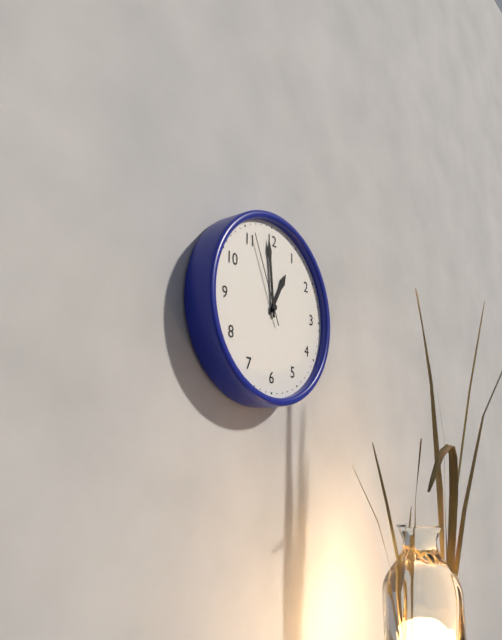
12:59:56
